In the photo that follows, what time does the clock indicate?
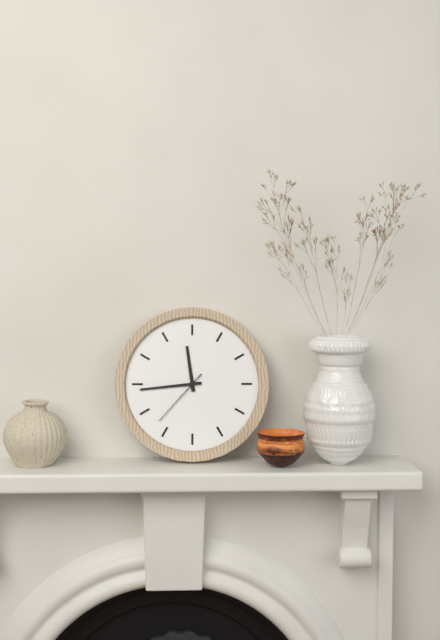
11:44:37
